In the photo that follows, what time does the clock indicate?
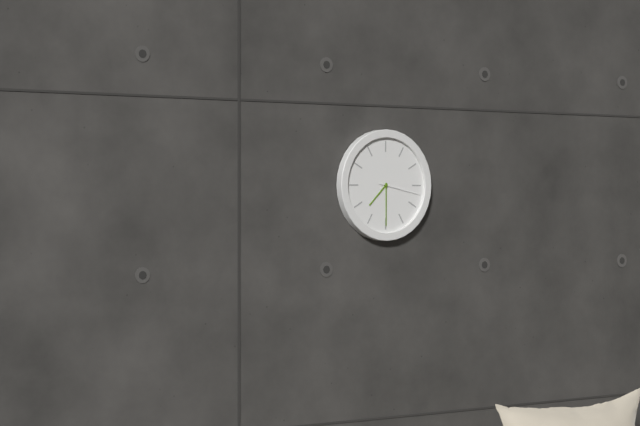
7:30
